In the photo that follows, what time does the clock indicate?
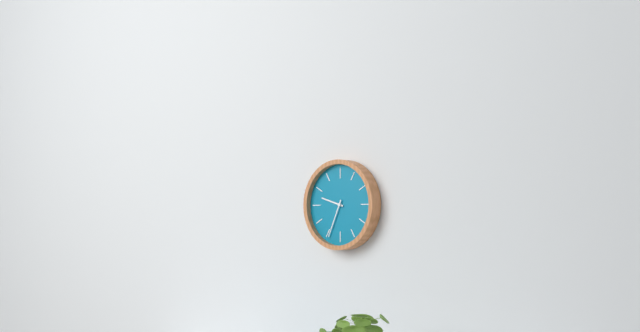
9:34
